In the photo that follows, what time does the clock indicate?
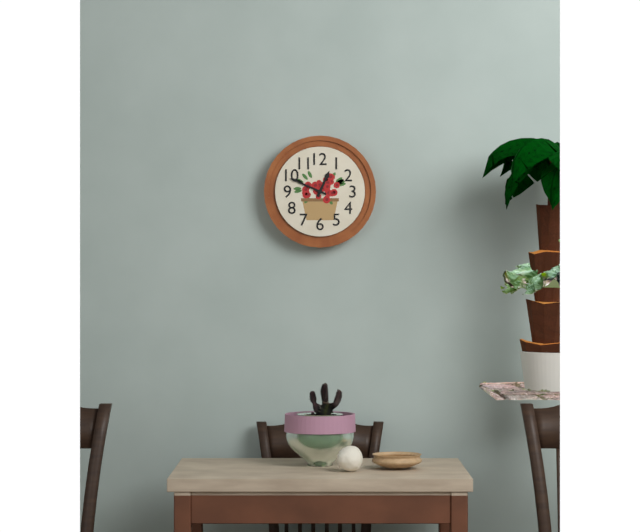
12:49
